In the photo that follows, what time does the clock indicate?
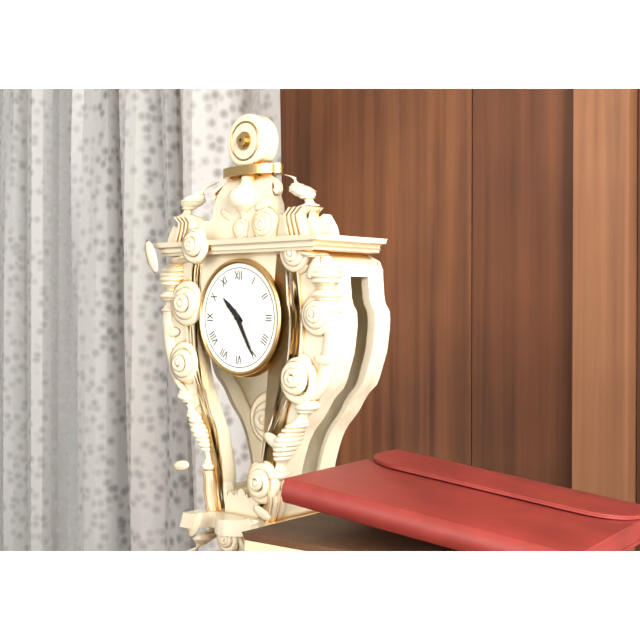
10:25
